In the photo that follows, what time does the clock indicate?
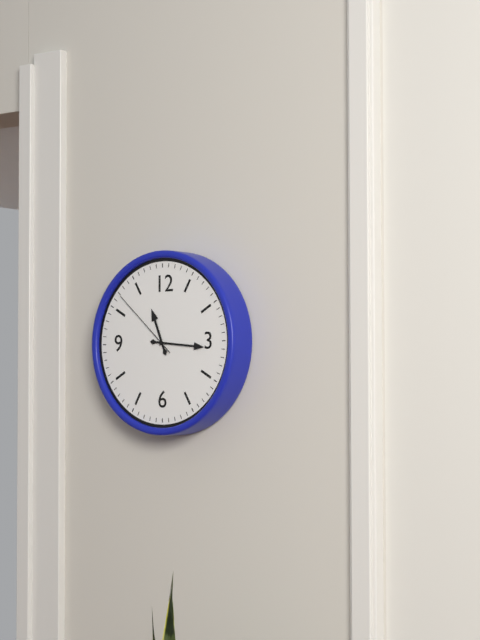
11:16:52
